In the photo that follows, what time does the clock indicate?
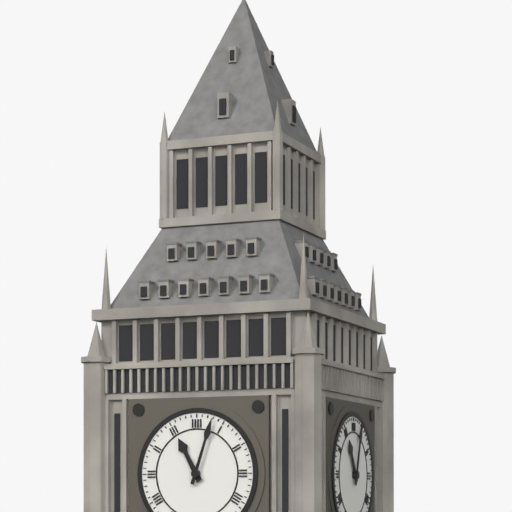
11:03
